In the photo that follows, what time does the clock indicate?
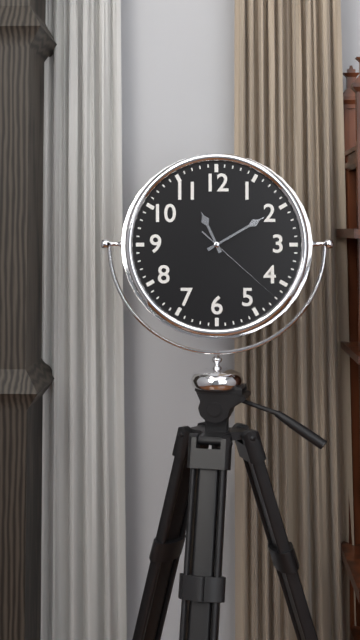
11:10:22
